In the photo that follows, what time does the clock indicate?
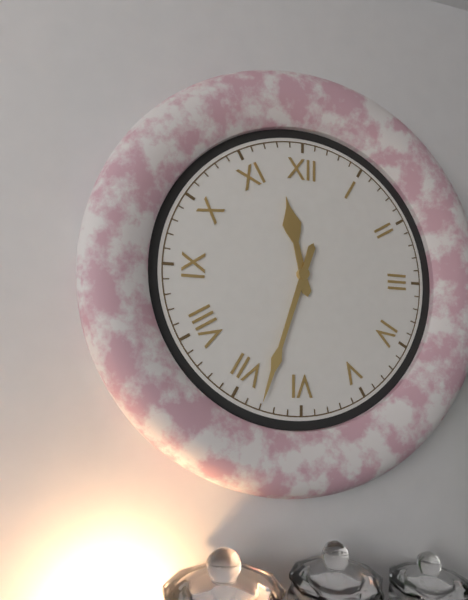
11:33
